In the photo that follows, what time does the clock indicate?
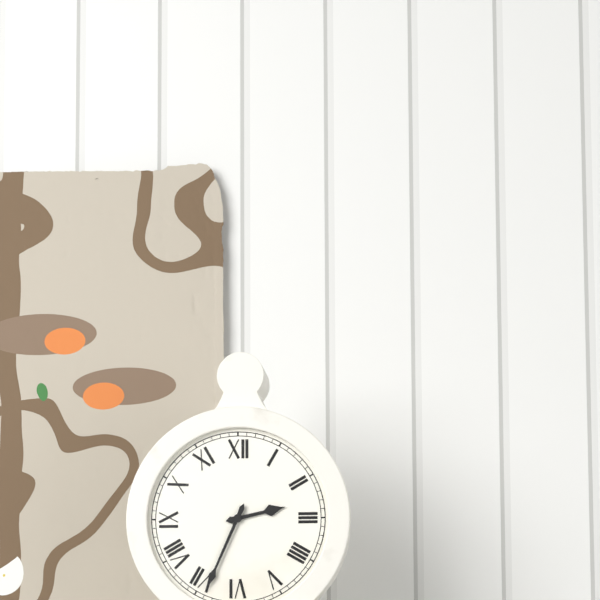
2:34
